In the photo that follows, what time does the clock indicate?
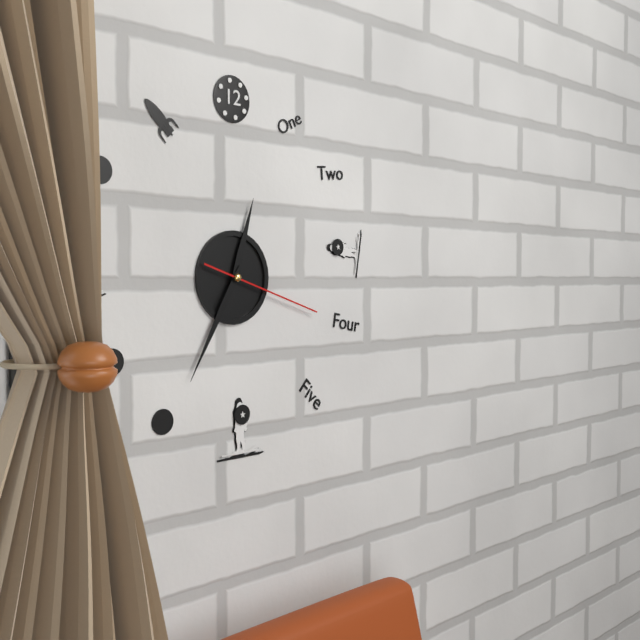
12:35:18
